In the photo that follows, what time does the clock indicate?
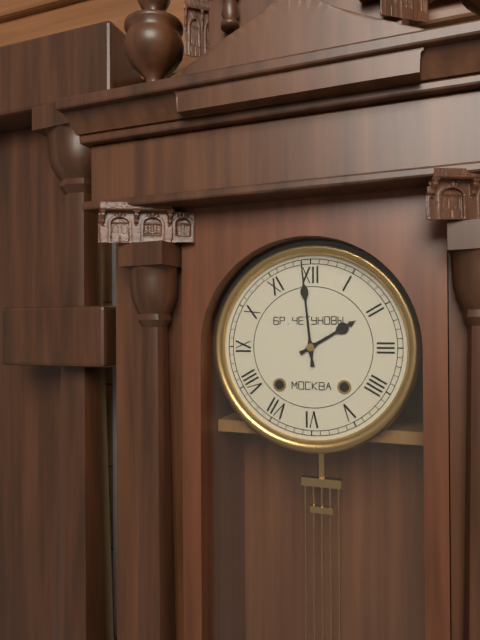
1:59
